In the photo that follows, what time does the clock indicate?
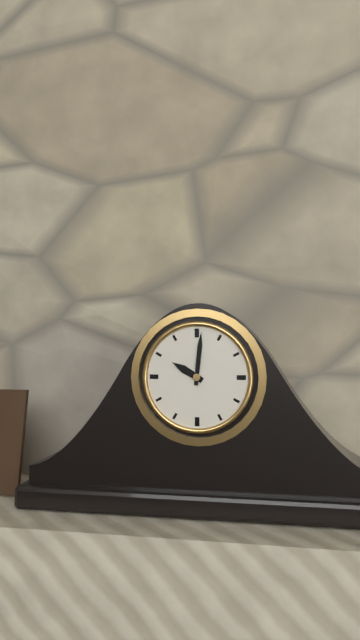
10:01
